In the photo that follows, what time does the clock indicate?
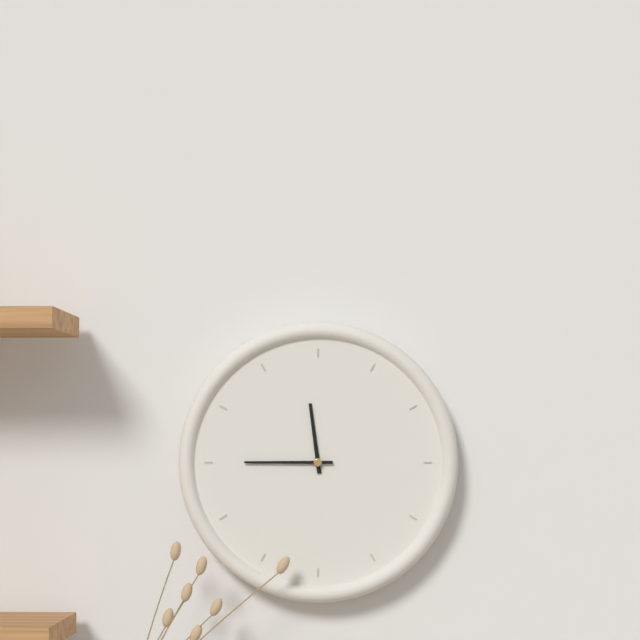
11:45
